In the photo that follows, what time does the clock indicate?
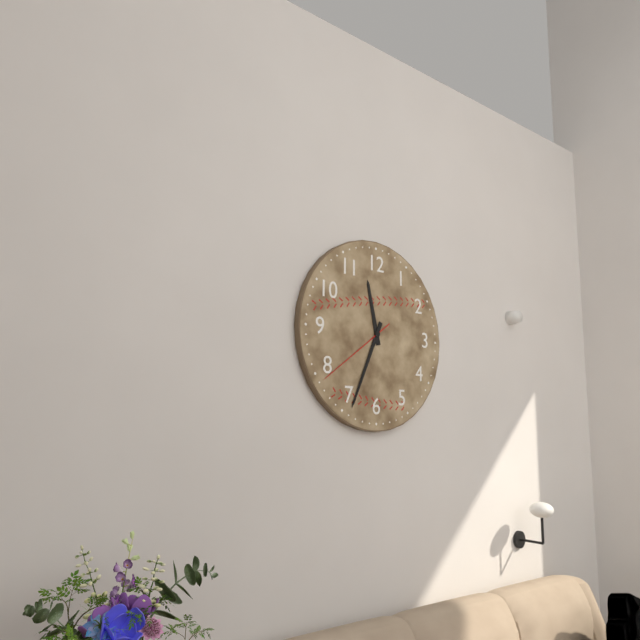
11:34:39
